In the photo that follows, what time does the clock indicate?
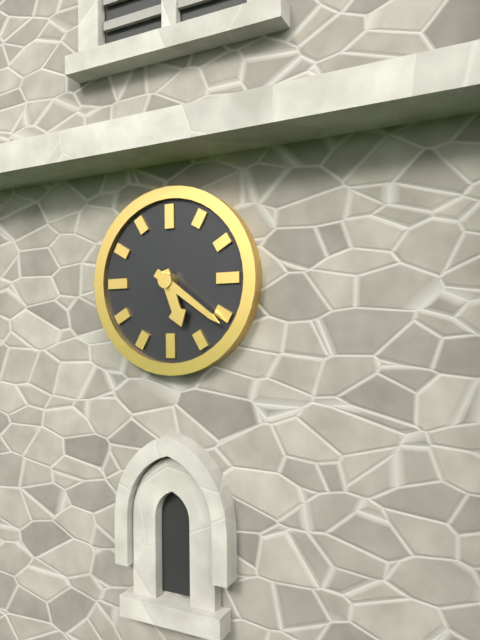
5:21
